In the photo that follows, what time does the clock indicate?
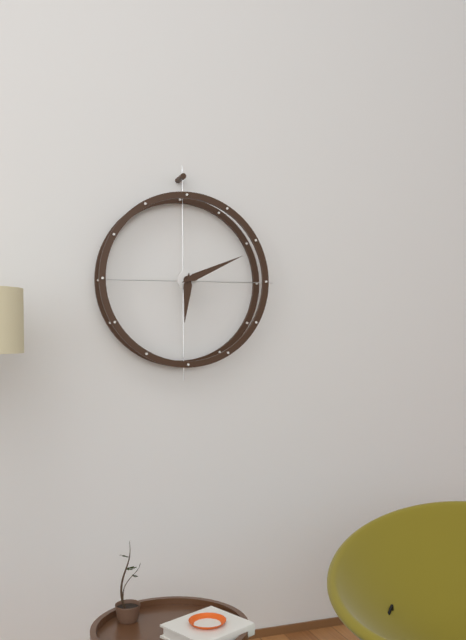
6:11
